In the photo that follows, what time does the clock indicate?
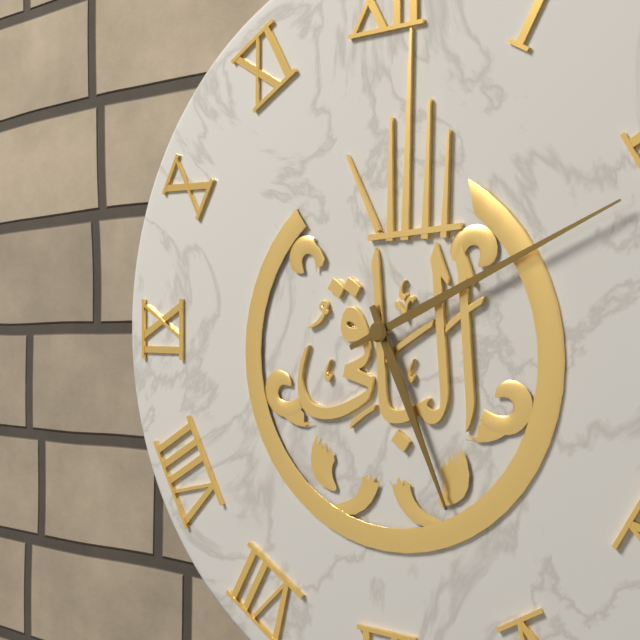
5:11
